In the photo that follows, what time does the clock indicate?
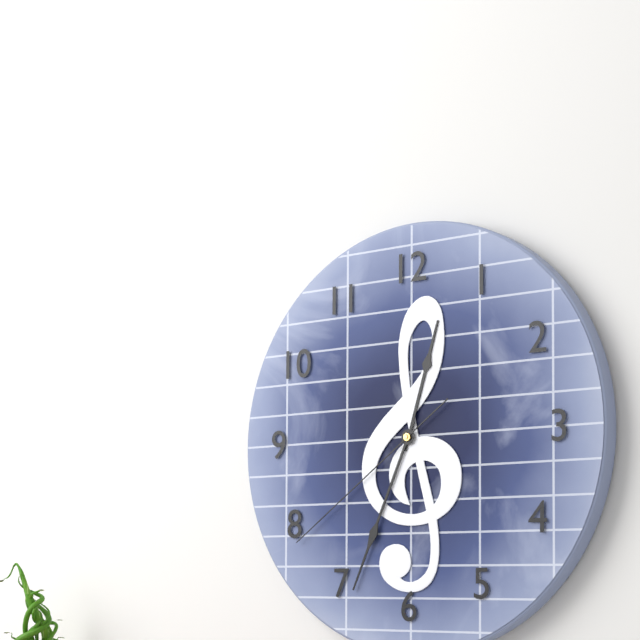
12:34:39
